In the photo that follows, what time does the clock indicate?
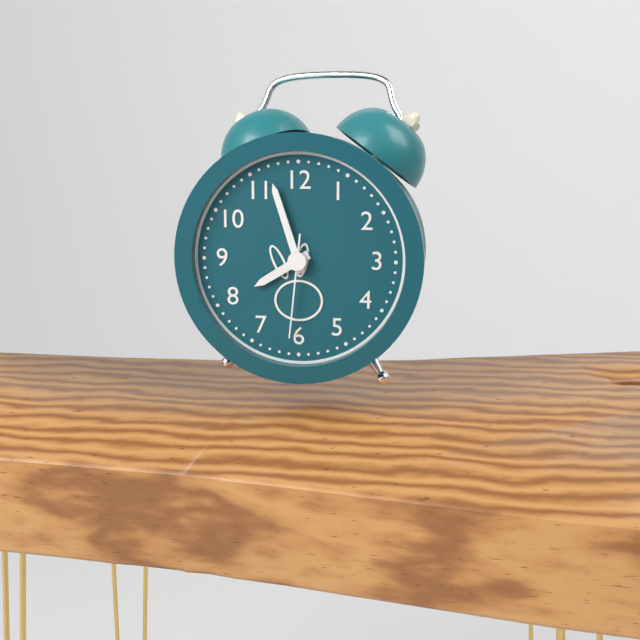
7:57:31
